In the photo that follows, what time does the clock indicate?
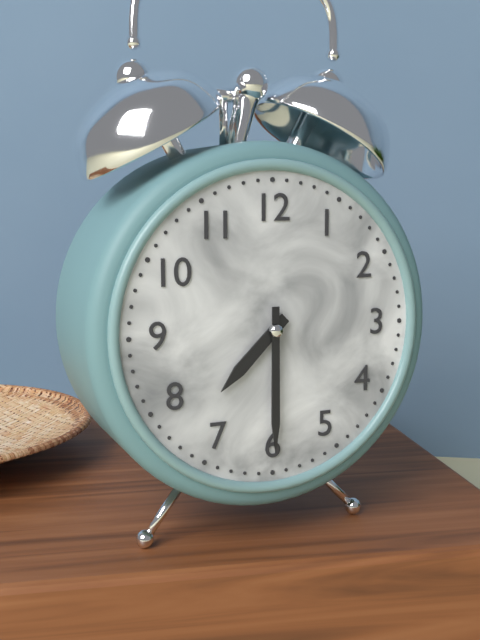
7:30
